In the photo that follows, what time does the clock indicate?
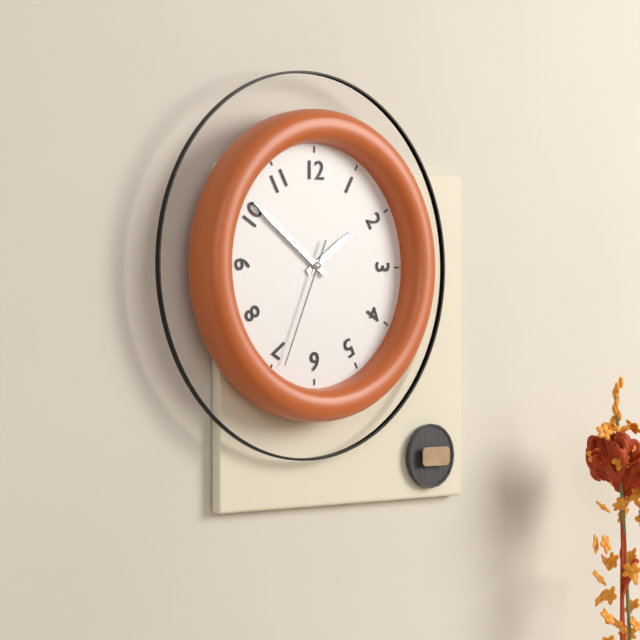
1:51:34
